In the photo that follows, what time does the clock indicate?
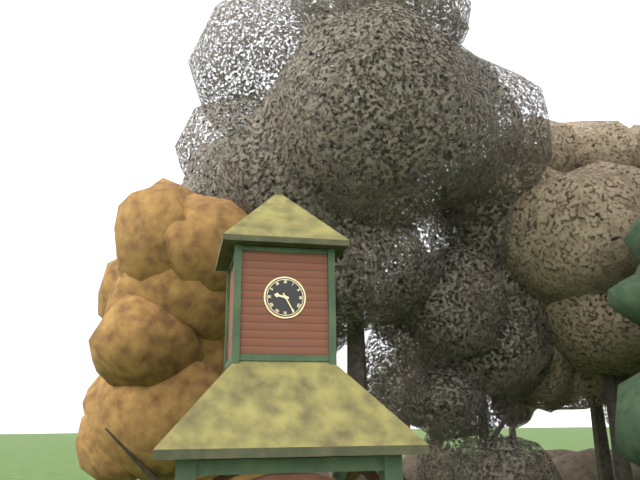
9:25
